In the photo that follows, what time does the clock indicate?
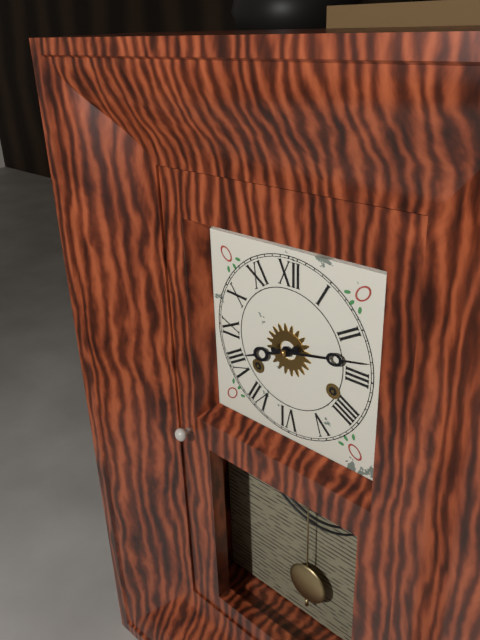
8:13
